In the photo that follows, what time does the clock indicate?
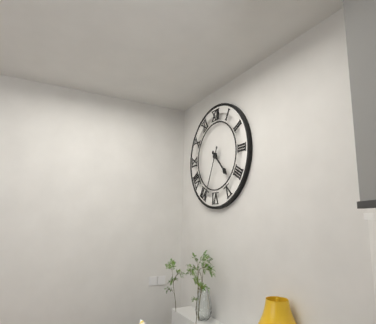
4:34
